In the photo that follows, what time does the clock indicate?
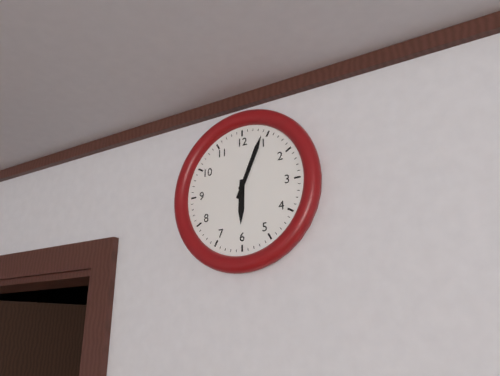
6:04
